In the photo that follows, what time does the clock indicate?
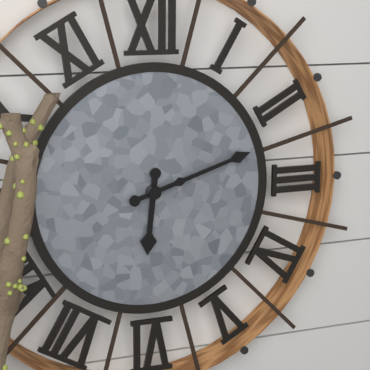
6:12
